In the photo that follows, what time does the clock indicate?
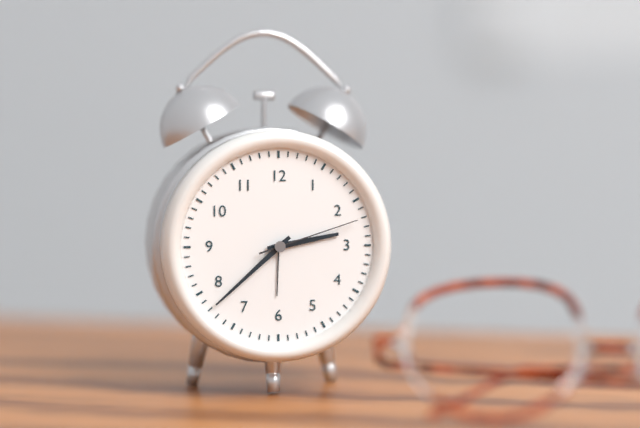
2:38:12
